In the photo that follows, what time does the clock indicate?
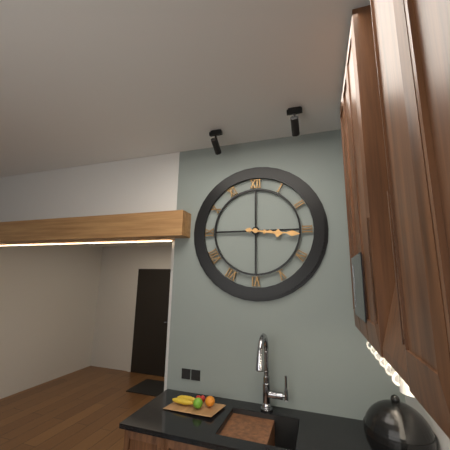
3:16
